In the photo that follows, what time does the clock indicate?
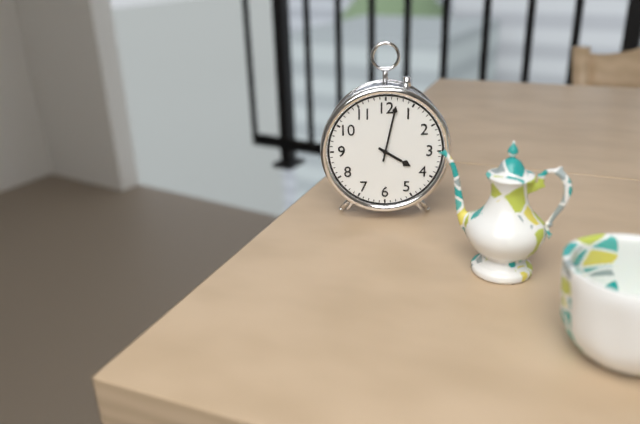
4:02
